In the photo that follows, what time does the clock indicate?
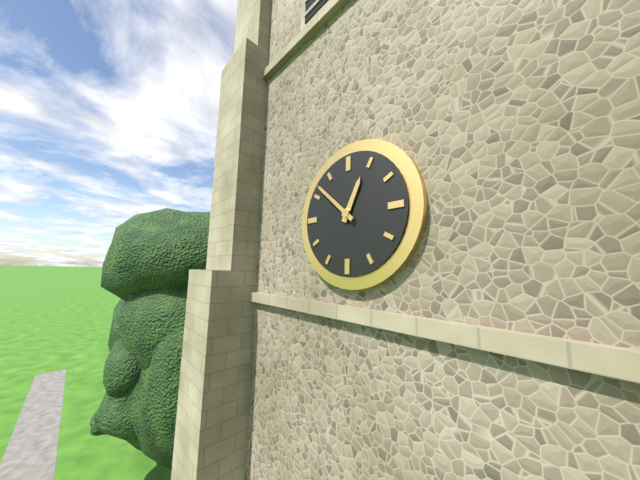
12:52
